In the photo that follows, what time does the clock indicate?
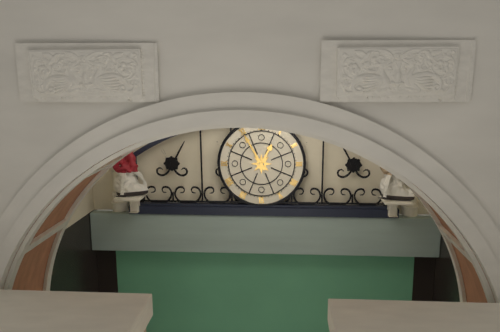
12:55
